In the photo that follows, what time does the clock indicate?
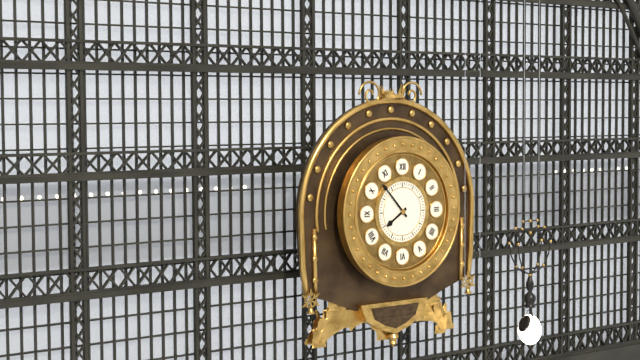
7:53
